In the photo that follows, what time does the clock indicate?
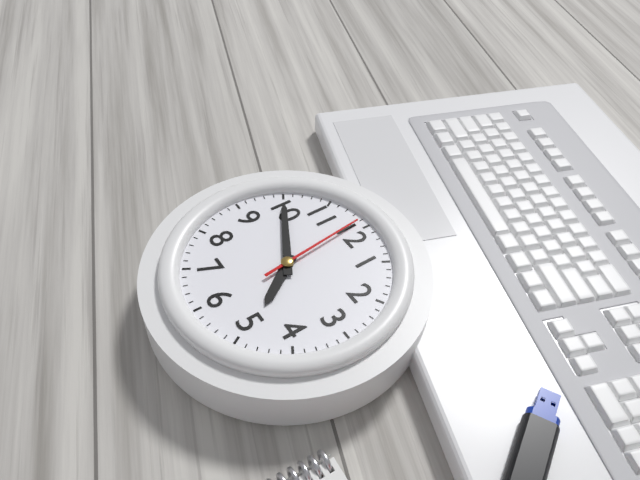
4:50:59
